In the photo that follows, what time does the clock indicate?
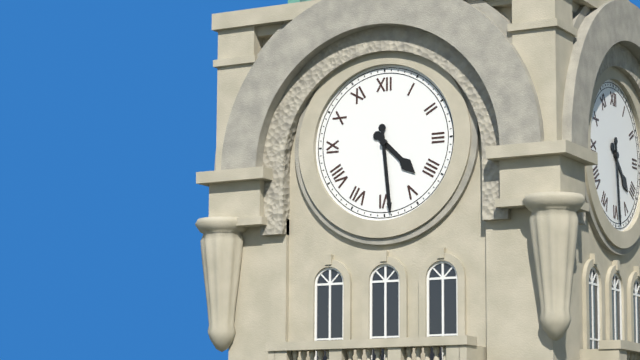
4:29
